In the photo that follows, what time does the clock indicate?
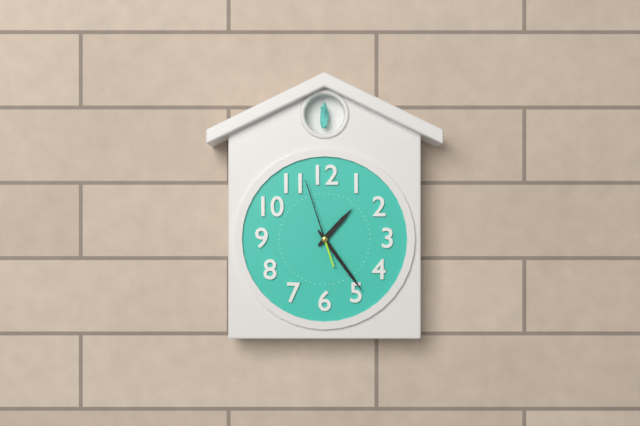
1:24:57
